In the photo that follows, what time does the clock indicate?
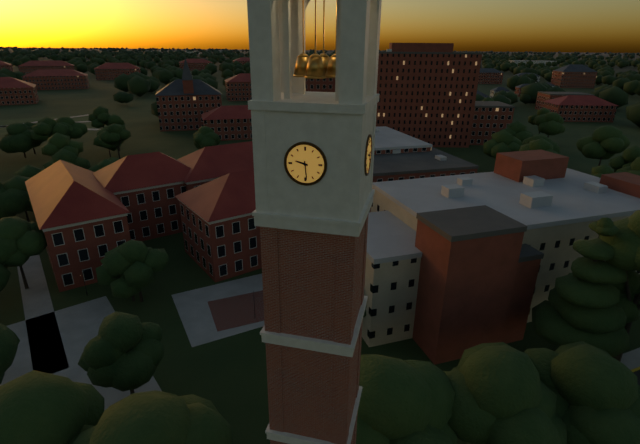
9:29
